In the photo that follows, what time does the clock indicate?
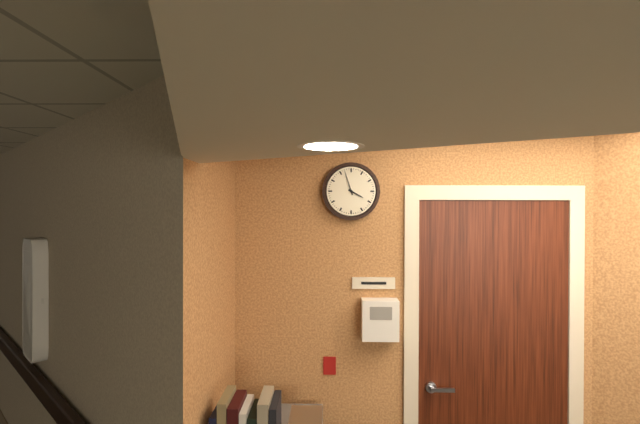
3:57
